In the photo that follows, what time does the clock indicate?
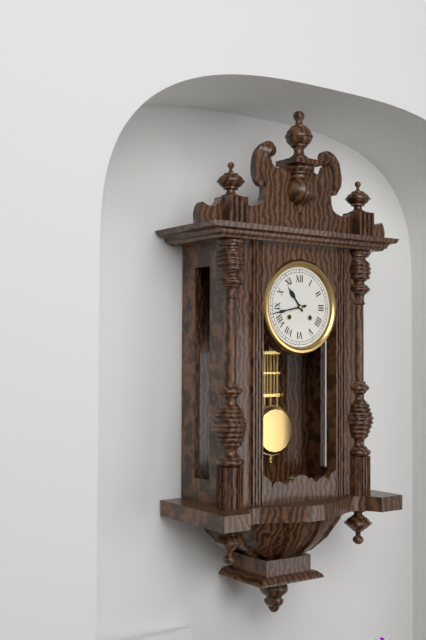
10:43
